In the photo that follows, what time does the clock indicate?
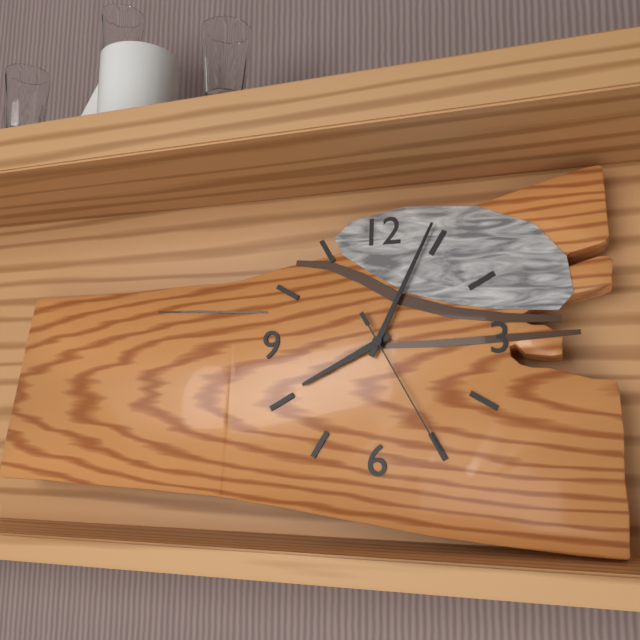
8:04:25
